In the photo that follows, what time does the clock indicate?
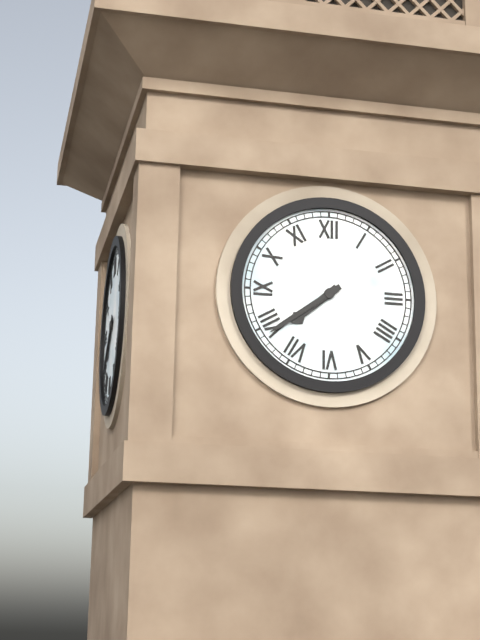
7:39
